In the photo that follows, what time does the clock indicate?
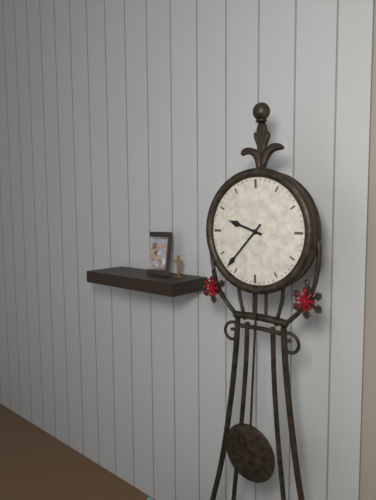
9:37
